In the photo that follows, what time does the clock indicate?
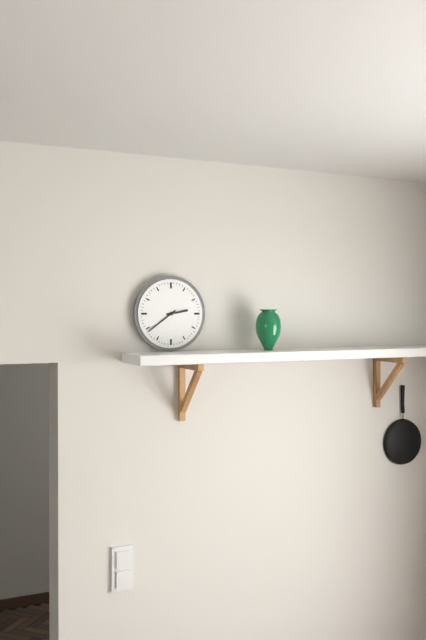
2:39
